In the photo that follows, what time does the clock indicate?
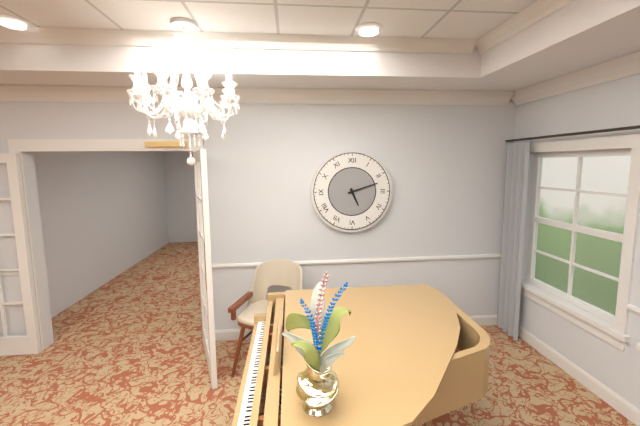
5:12
